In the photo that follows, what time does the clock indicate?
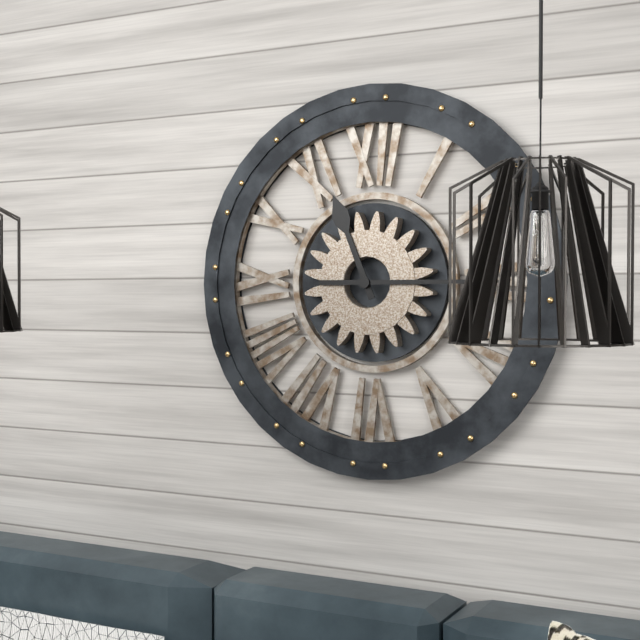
11:15
